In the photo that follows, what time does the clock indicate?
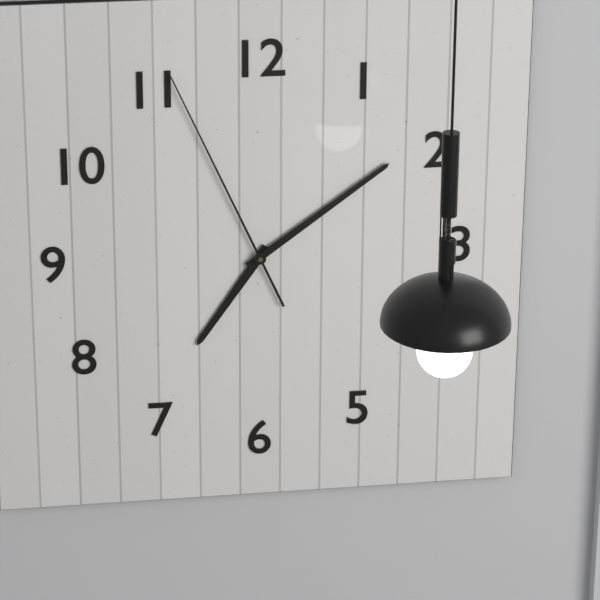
7:09:56
